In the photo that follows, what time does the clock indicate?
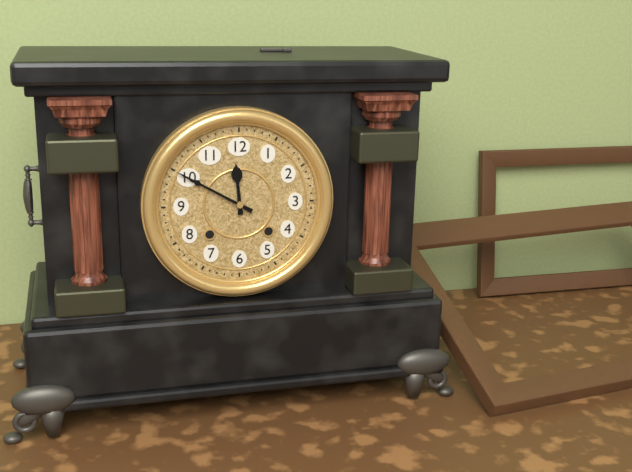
11:50
